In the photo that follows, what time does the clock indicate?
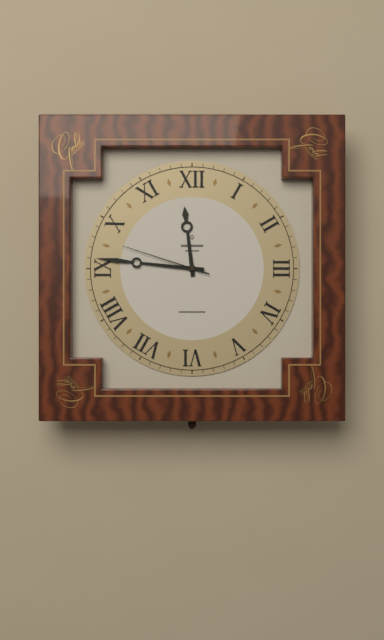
11:46:48
